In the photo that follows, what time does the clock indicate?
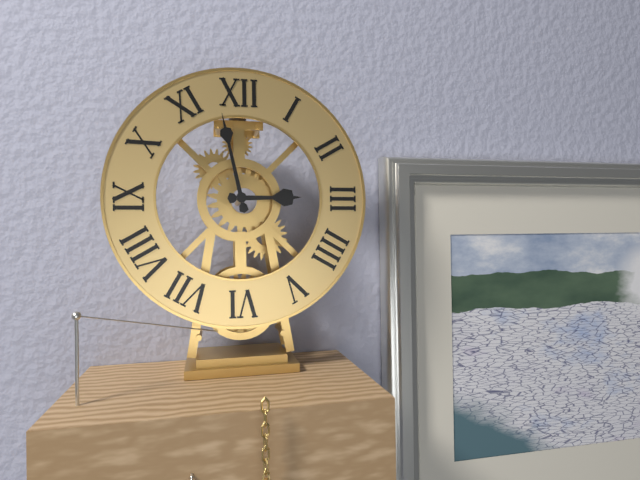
2:58
